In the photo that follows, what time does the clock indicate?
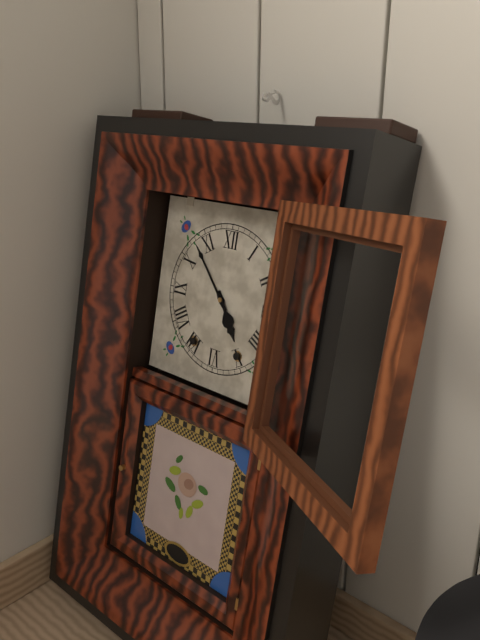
4:53
